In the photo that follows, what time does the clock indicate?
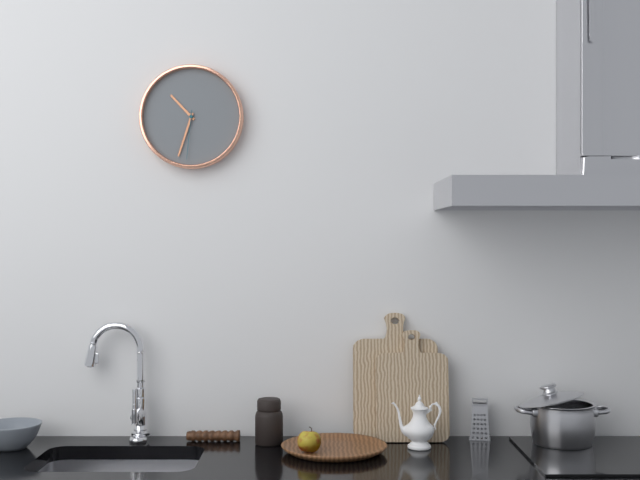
10:33:31
